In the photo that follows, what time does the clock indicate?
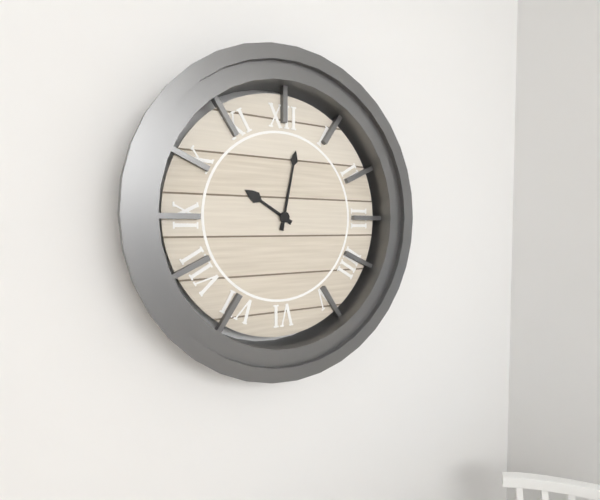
10:02
